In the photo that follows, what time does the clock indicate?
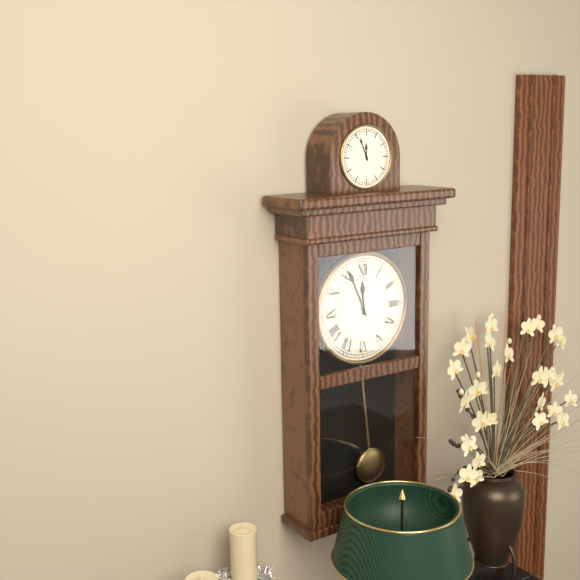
11:56
